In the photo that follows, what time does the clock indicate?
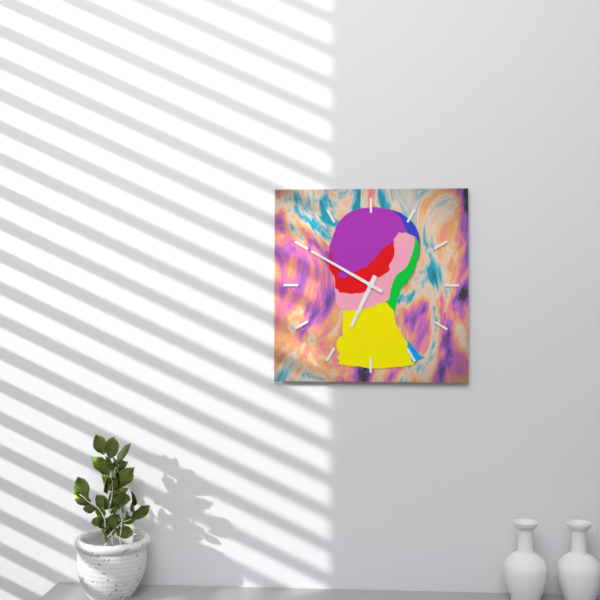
6:50
